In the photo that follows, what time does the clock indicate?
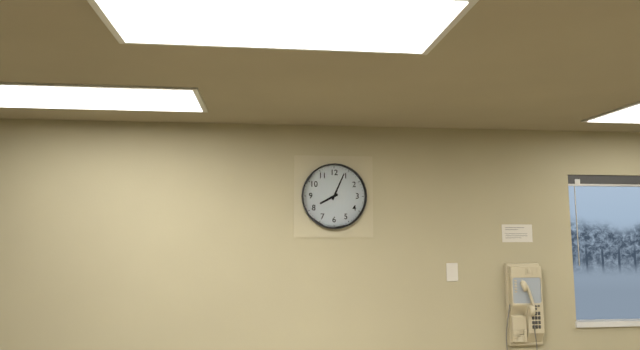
8:04
